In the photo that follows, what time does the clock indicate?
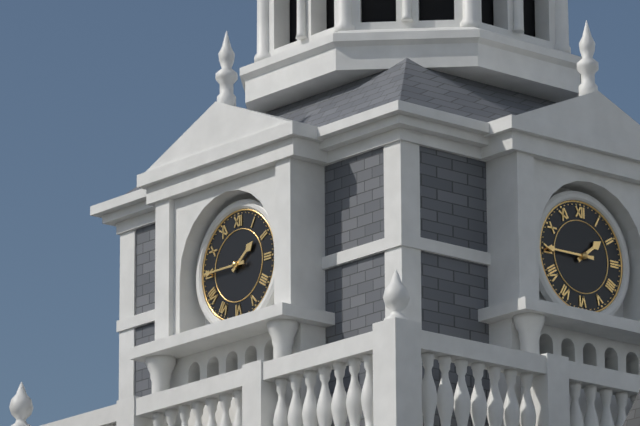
1:45
